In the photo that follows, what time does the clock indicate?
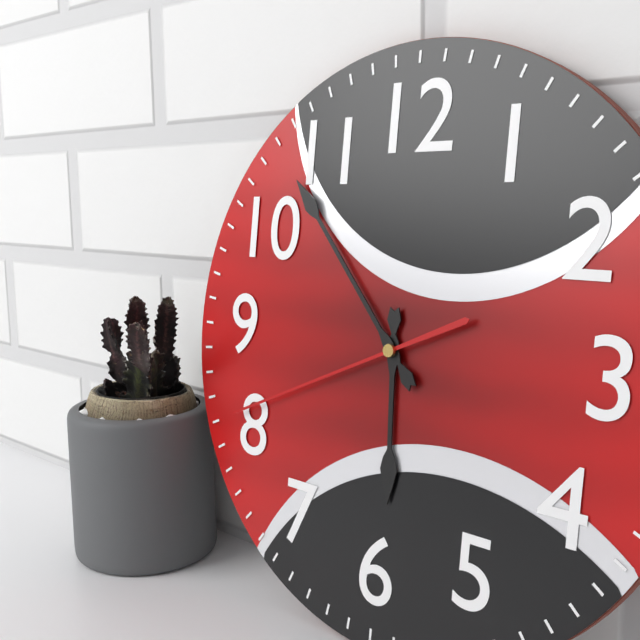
5:53:41
